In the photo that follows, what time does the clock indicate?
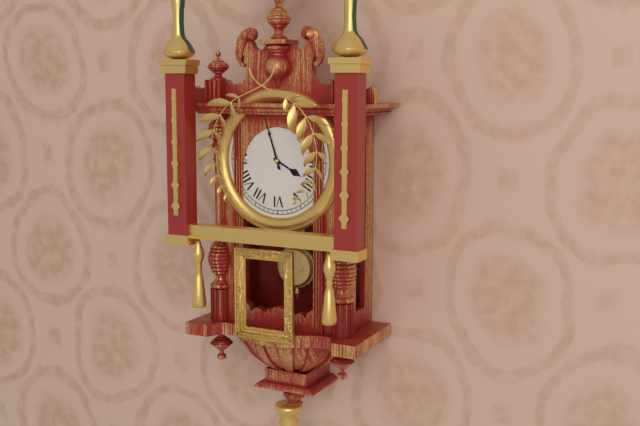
3:57
